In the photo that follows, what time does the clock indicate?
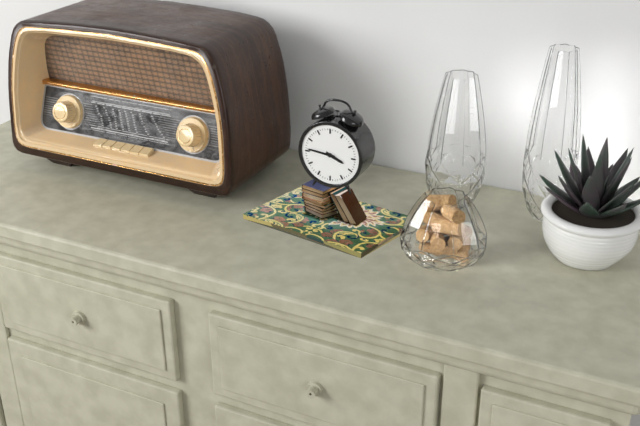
3:46
